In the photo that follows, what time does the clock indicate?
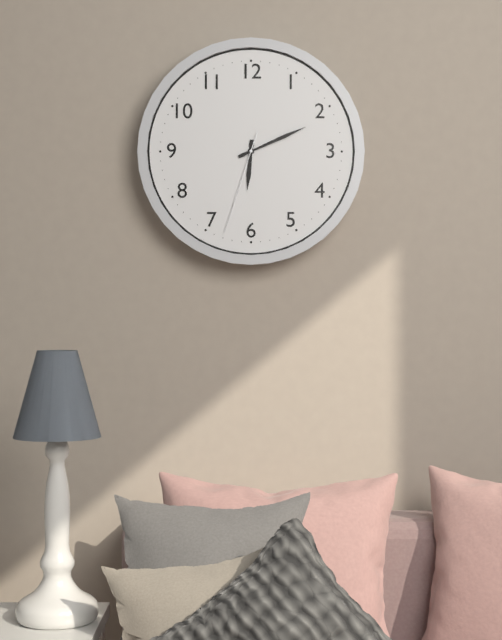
6:11:33
